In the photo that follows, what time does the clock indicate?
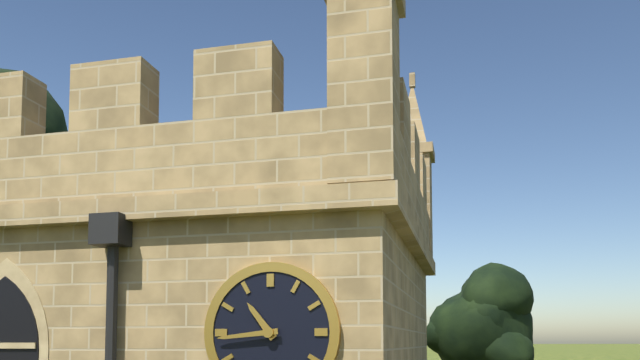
10:44
